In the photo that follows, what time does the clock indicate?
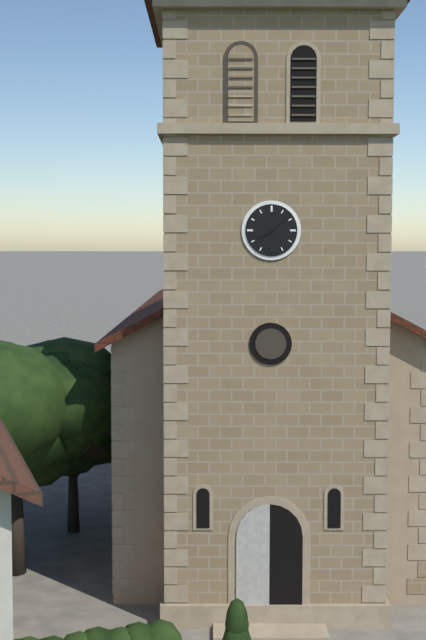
8:08
